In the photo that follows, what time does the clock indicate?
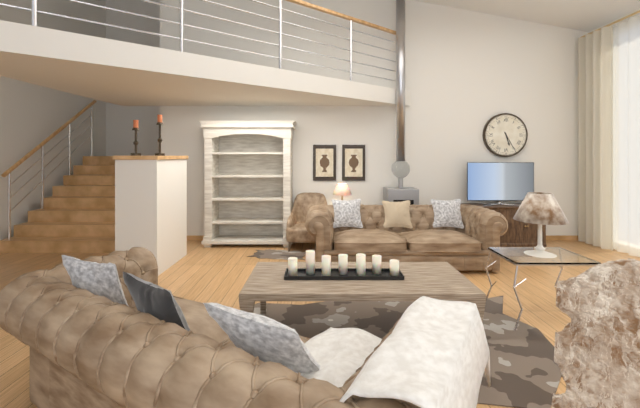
5:25
